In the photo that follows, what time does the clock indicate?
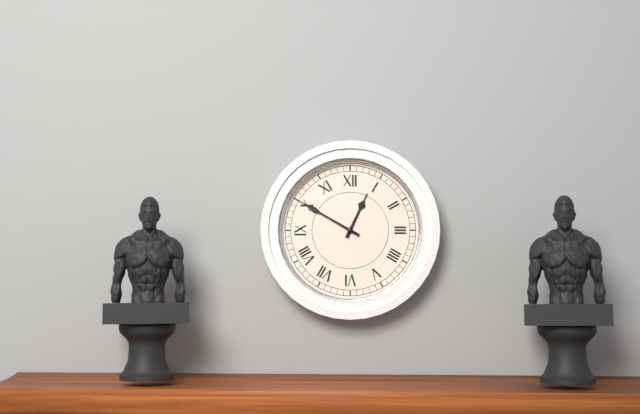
12:50
